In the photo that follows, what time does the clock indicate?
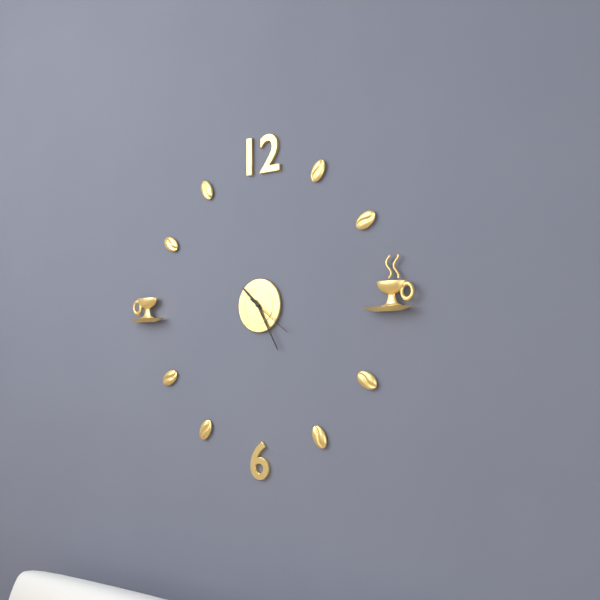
10:25:21
